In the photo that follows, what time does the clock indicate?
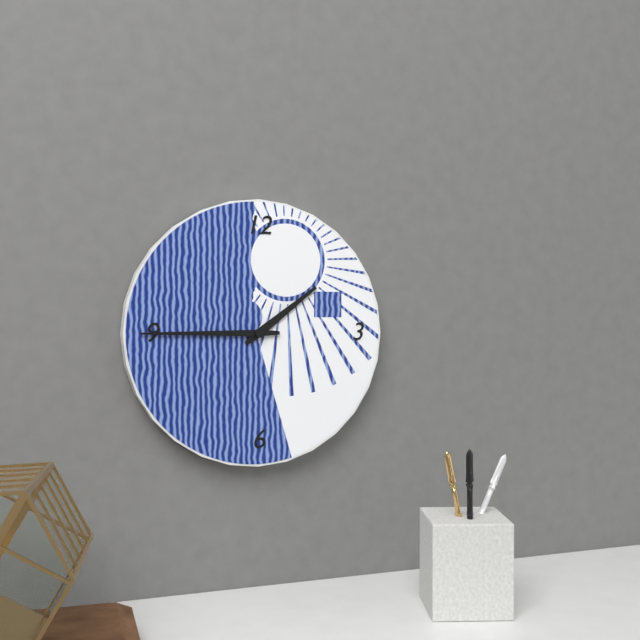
1:45
